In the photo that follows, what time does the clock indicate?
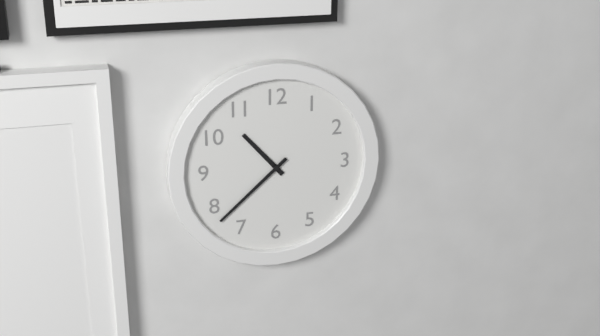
10:38
